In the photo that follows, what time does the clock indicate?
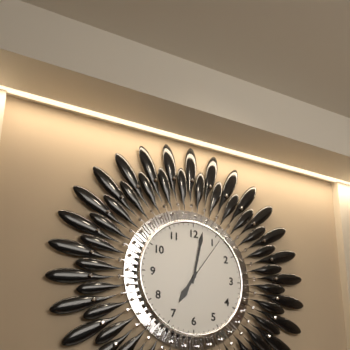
7:02:06
